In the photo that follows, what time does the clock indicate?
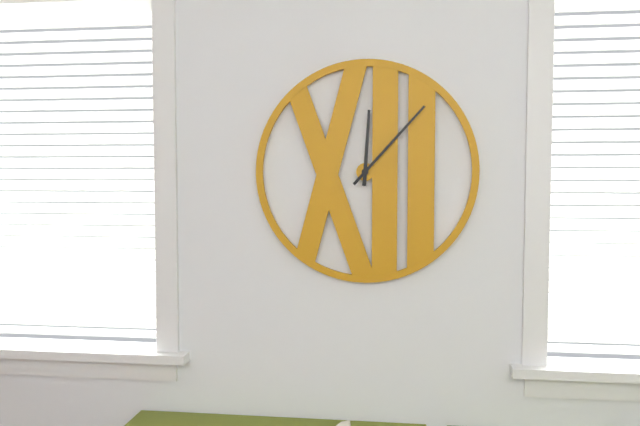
12:07
